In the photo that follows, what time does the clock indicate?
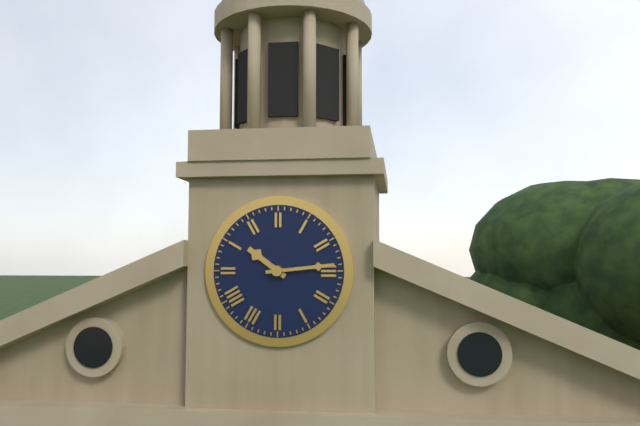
10:14
